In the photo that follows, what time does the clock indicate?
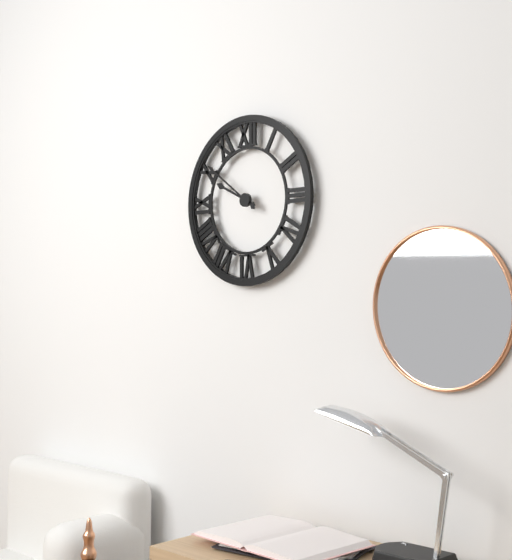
9:51
